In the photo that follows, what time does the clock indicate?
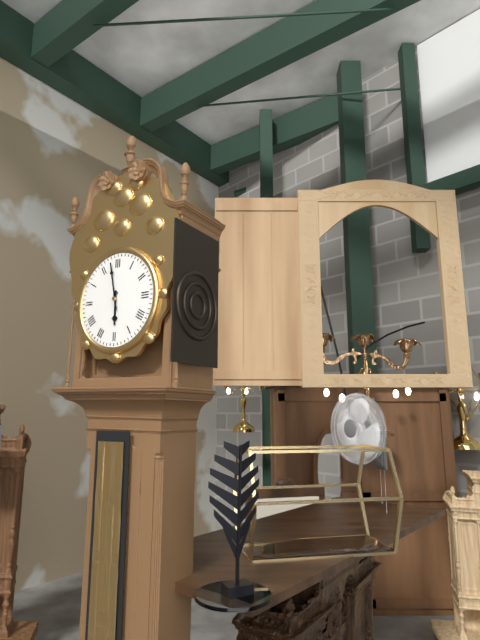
5:58
